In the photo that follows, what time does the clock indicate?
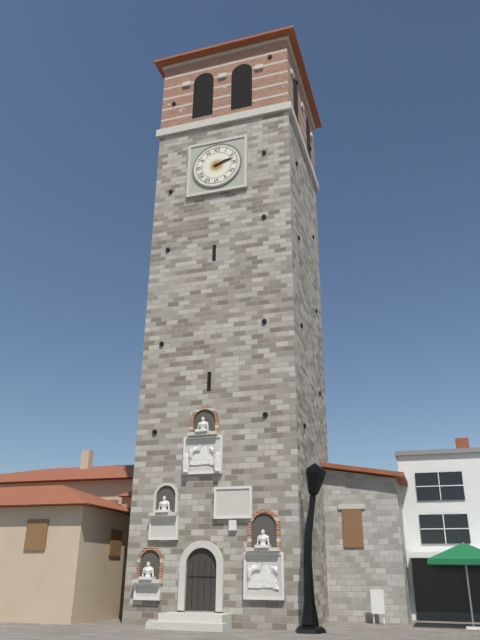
2:12
